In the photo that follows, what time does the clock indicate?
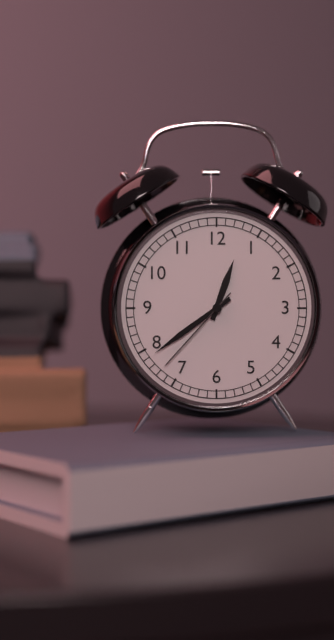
12:39:37
